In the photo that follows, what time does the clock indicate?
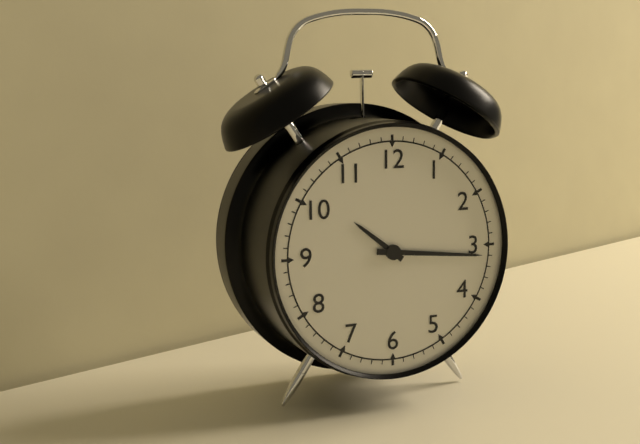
10:16
